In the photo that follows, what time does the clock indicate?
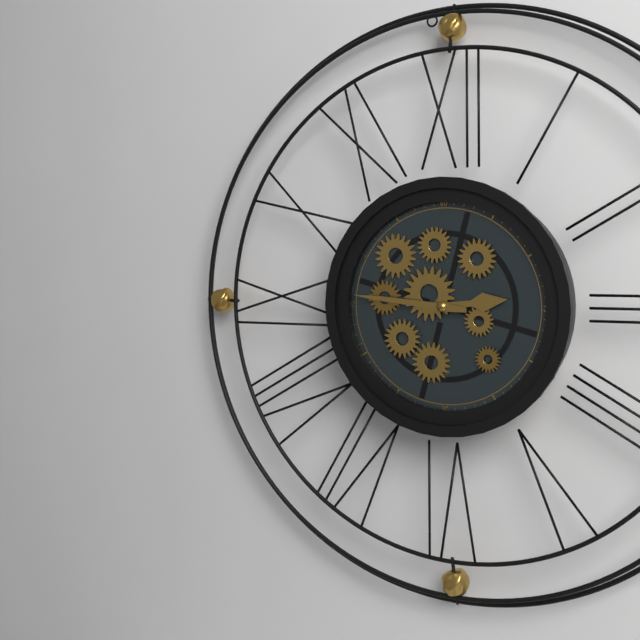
2:46
